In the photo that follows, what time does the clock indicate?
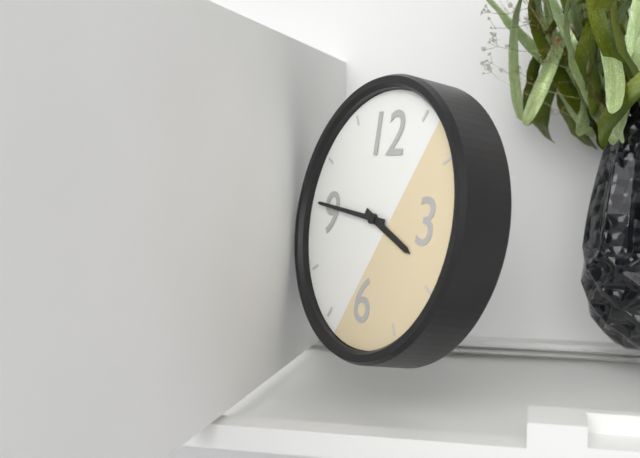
3:46
